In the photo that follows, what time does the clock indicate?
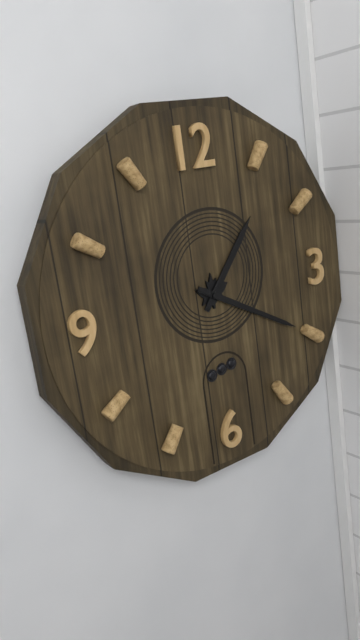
1:20
